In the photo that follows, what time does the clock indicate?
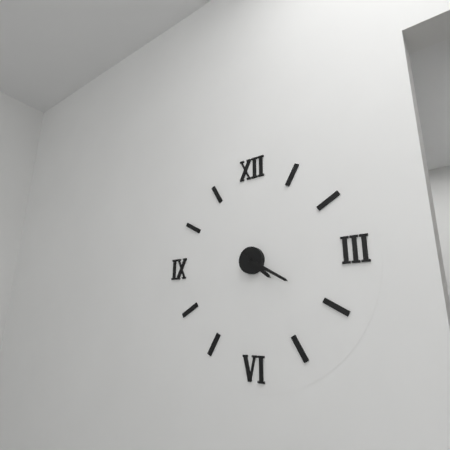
4:20
